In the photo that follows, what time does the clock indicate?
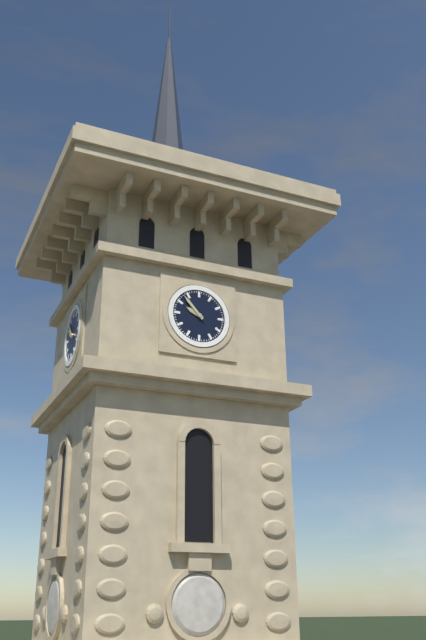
9:53
